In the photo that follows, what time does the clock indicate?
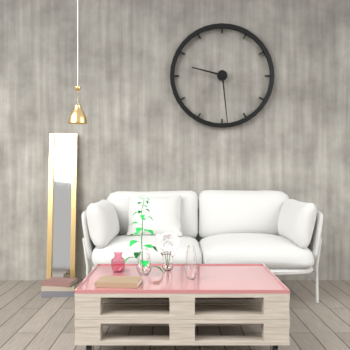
9:29
